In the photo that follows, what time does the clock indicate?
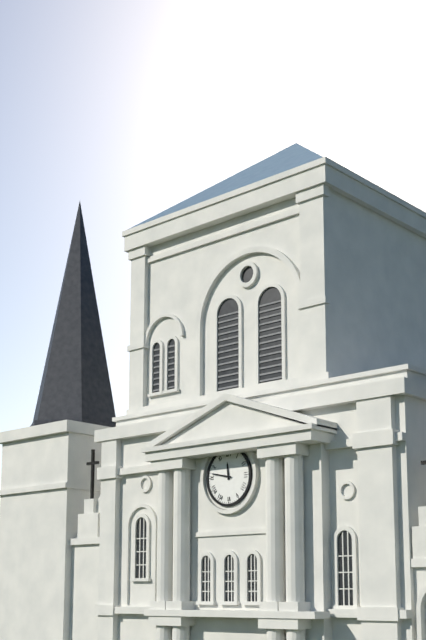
11:47
